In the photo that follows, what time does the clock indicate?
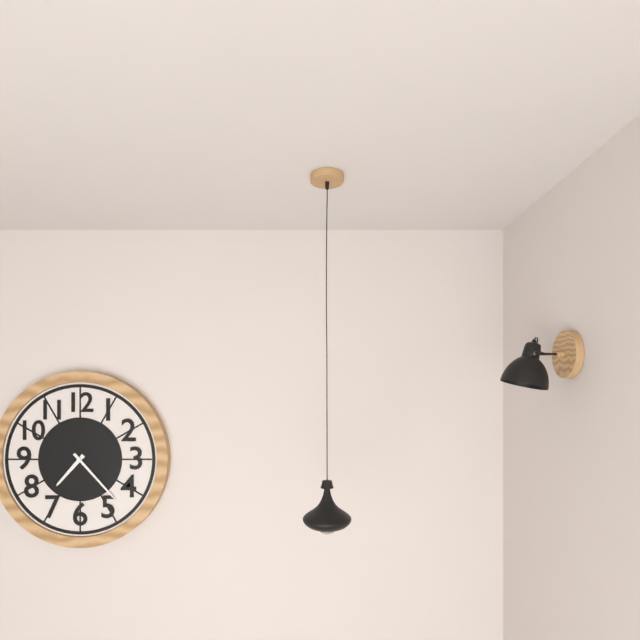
7:23
